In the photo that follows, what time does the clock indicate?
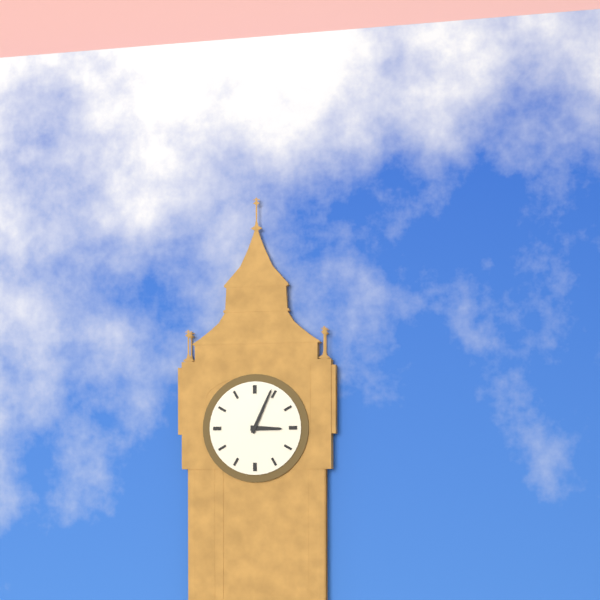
3:04
